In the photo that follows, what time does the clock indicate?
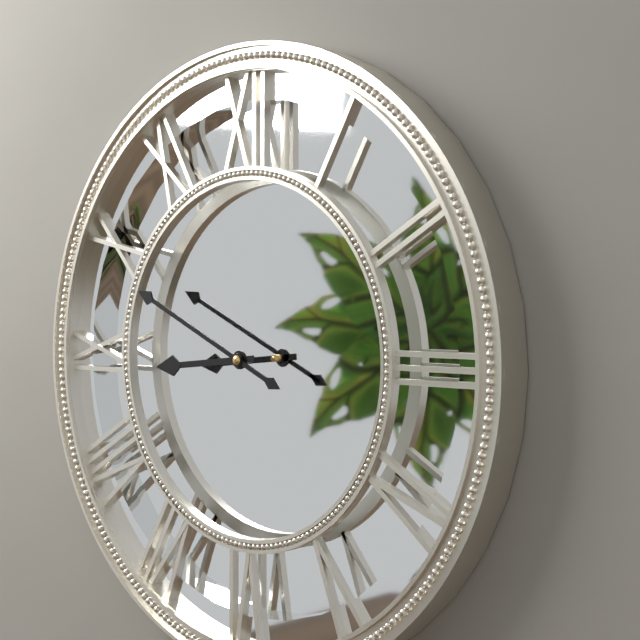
8:49
